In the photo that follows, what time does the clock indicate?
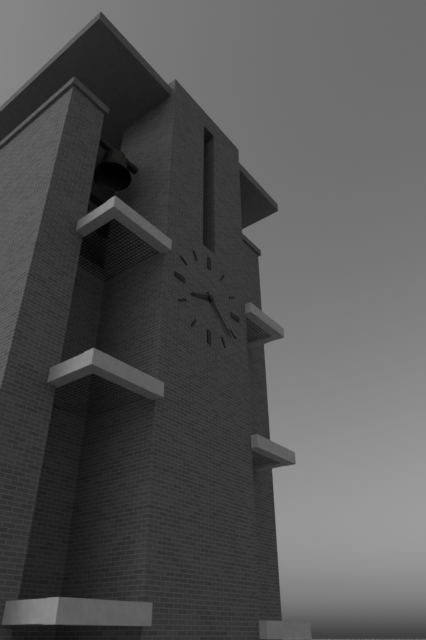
8:22
